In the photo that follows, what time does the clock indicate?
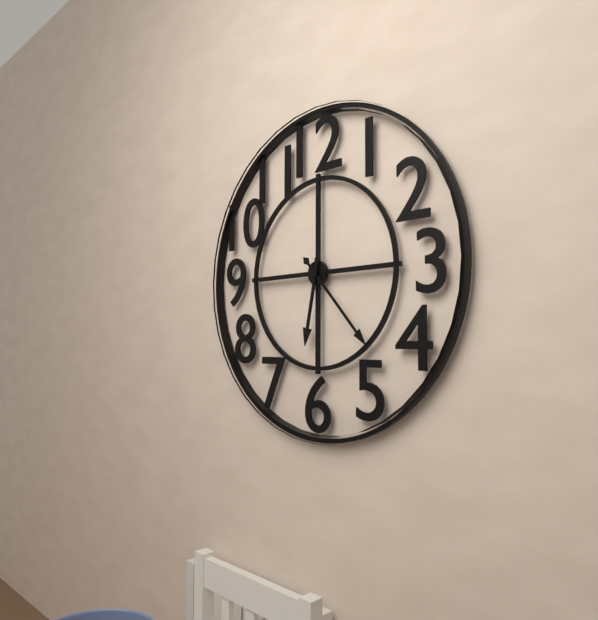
6:23
